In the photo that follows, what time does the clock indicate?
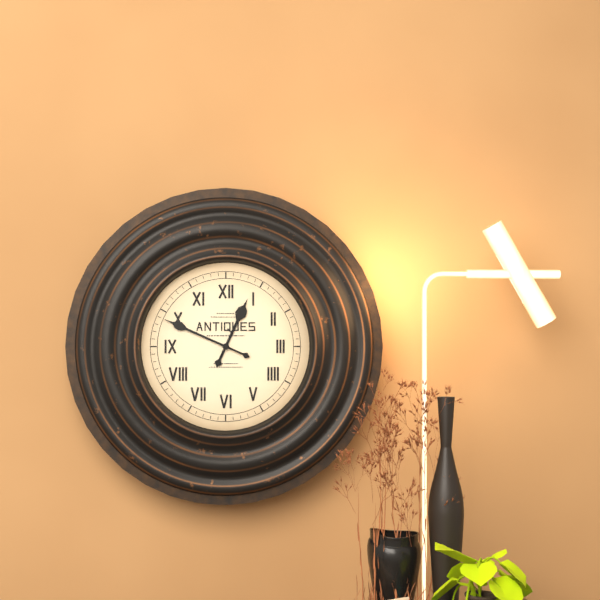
12:49
